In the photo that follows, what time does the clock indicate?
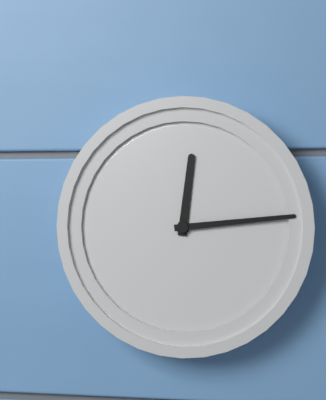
12:14
